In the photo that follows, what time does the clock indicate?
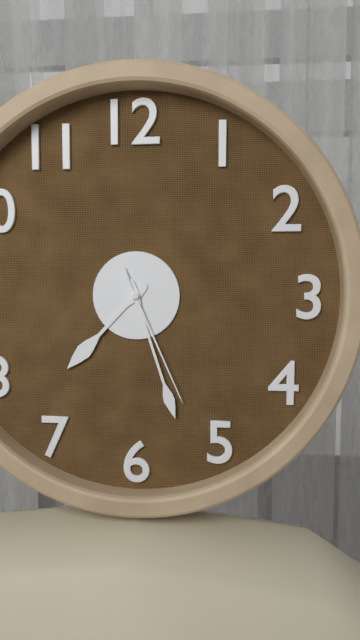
7:27:26
